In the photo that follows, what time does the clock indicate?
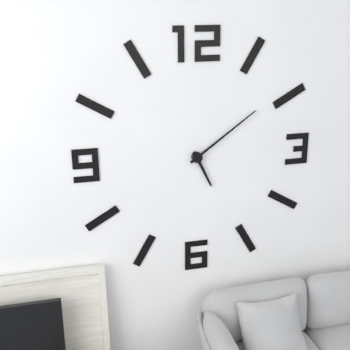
5:09
